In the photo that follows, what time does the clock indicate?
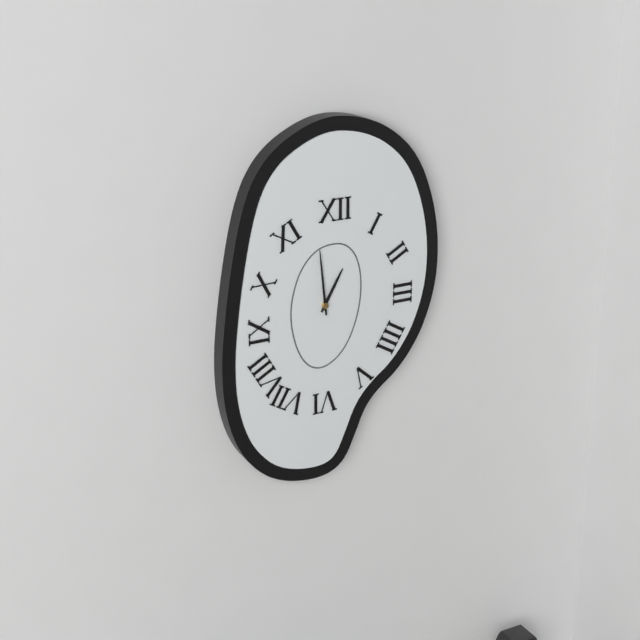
12:59
